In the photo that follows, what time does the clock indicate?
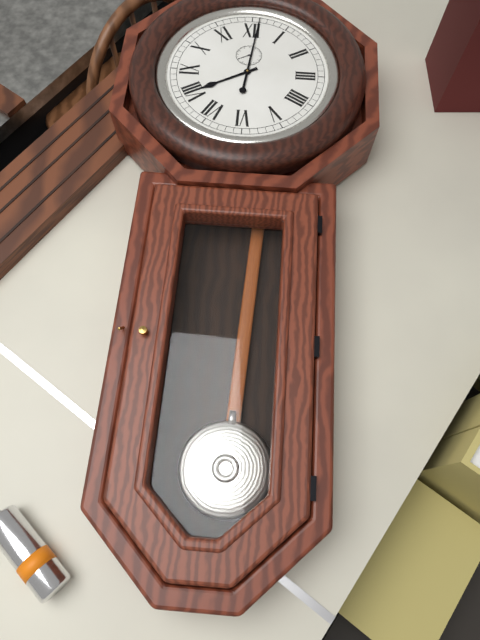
8:01
